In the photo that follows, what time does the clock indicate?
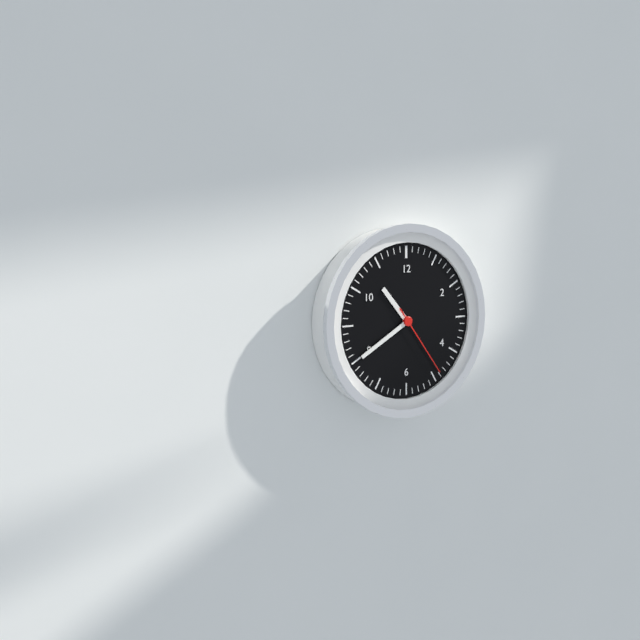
10:40:24
